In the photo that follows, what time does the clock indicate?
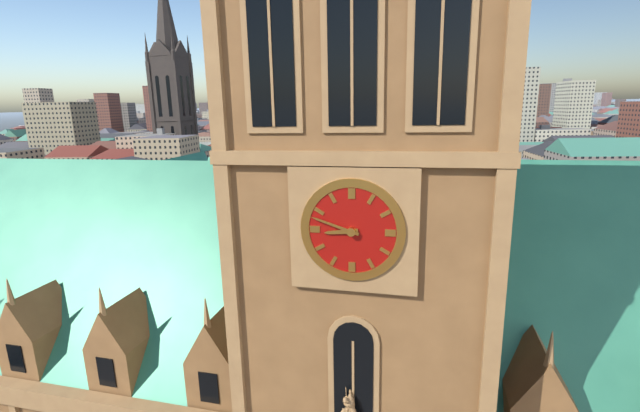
8:48
